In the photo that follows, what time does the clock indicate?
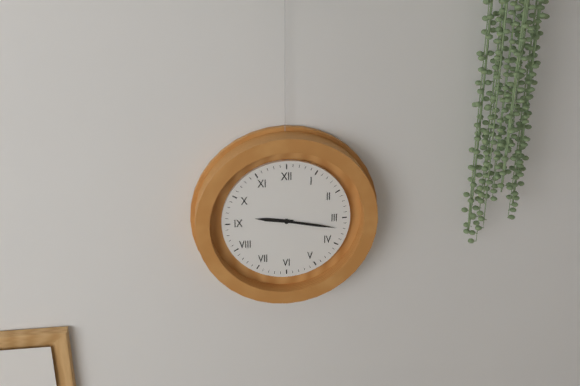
9:17
